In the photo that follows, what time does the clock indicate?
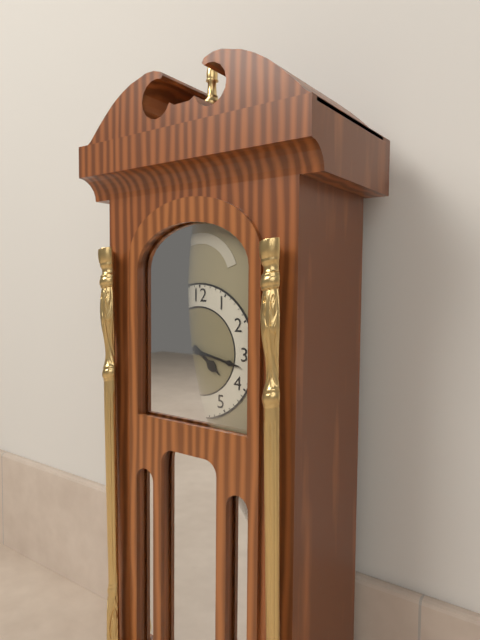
4:17
